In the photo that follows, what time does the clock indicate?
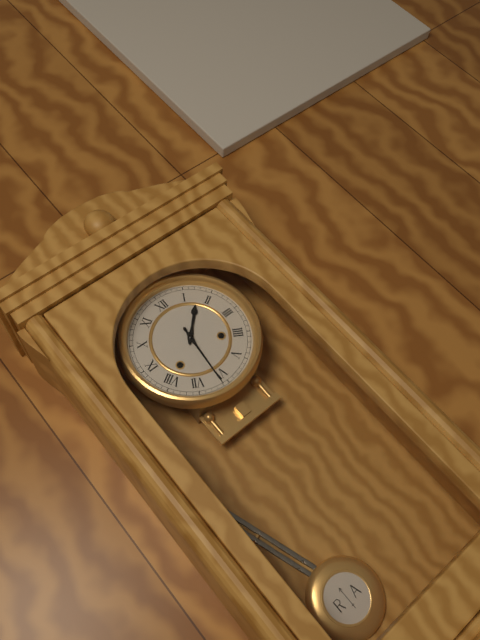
1:31
